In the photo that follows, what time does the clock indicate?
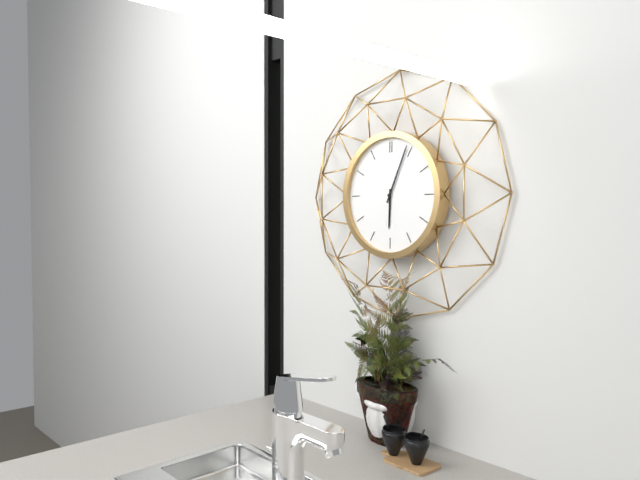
6:04
